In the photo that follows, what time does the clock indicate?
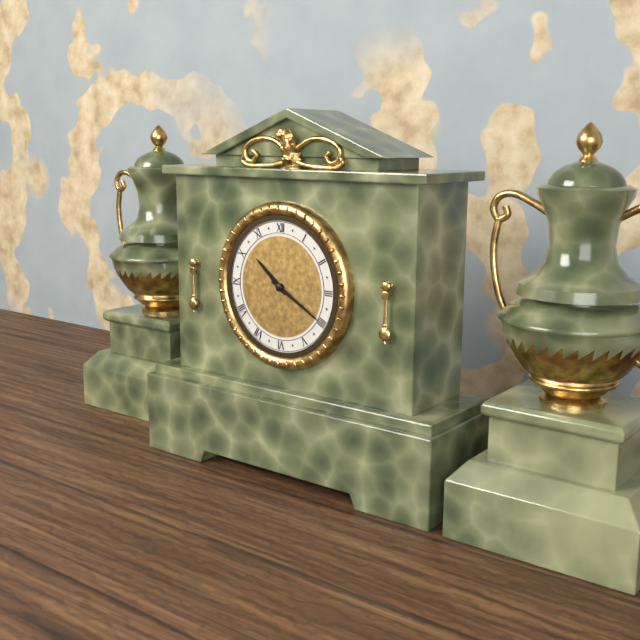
10:20
